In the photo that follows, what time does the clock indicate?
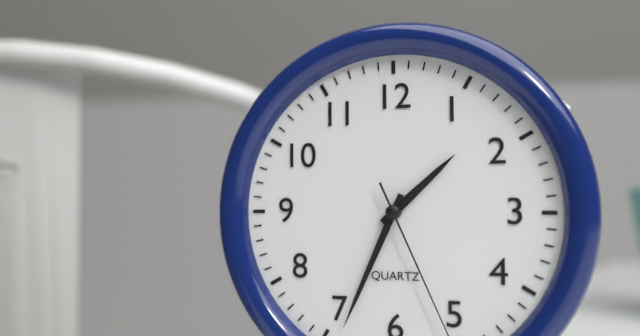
1:34
